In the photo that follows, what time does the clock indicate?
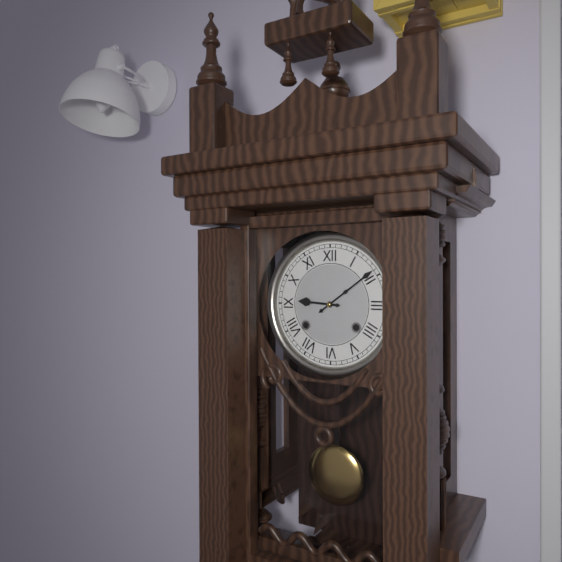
9:09
